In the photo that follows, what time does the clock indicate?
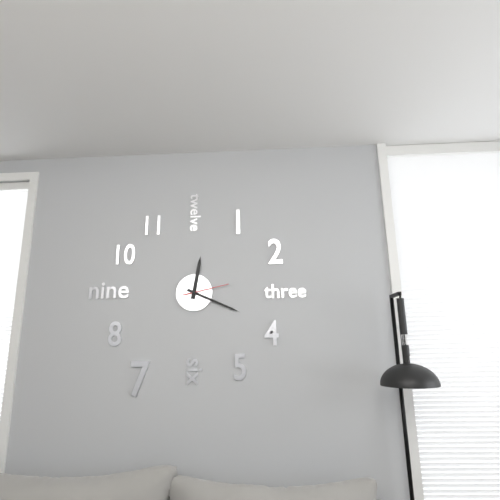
12:19
